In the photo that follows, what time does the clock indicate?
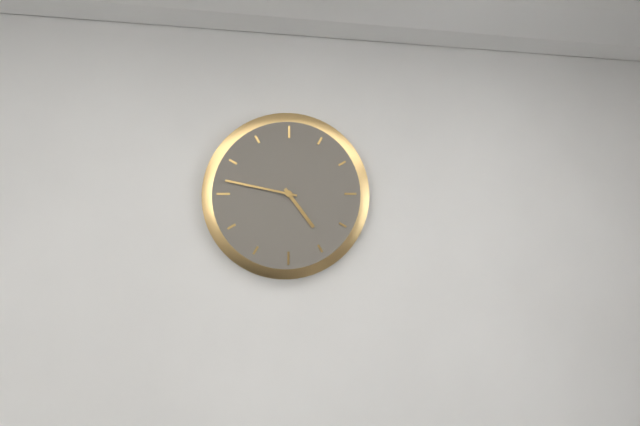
4:47
